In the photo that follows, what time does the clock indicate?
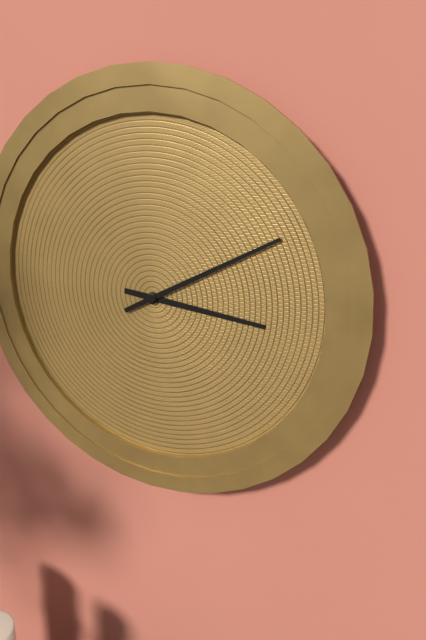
3:10
